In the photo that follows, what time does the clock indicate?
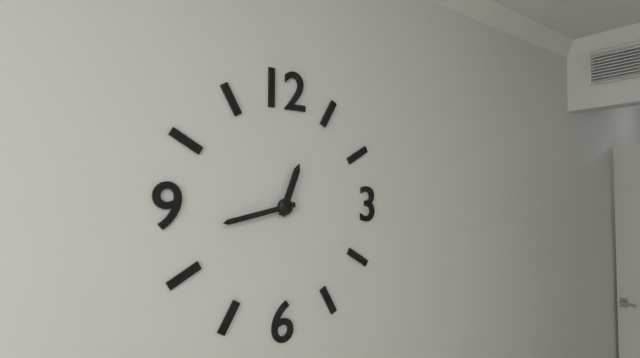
12:43
